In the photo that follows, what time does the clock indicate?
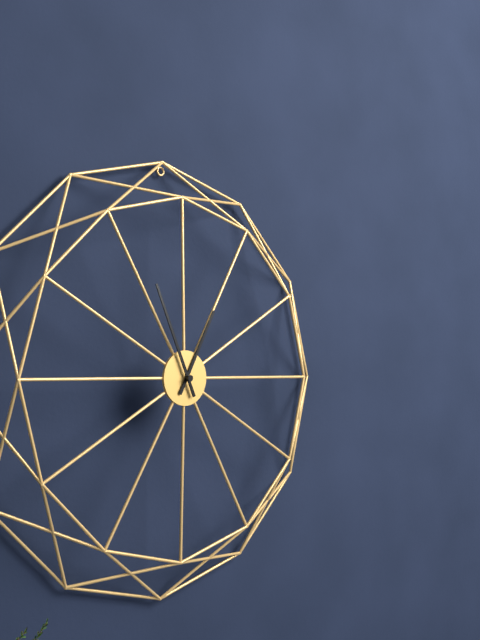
12:56
